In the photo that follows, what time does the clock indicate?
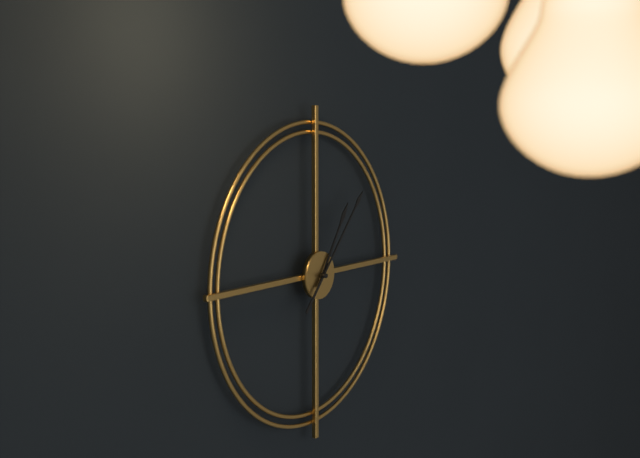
1:07
